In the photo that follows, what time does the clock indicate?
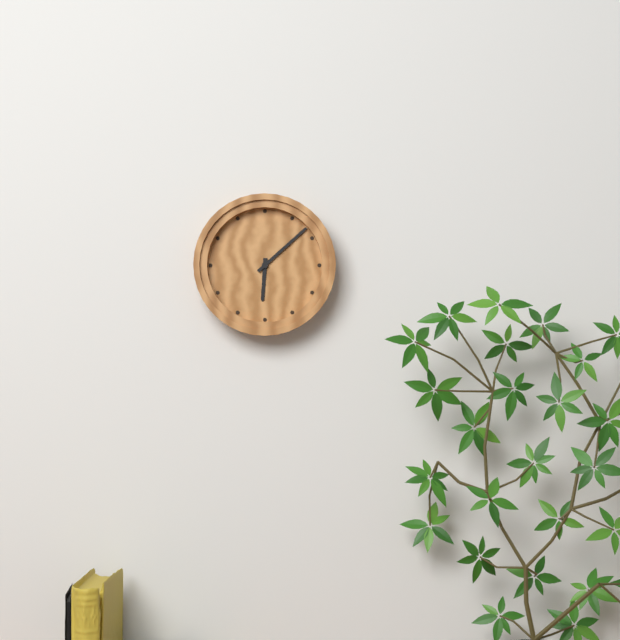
6:08
